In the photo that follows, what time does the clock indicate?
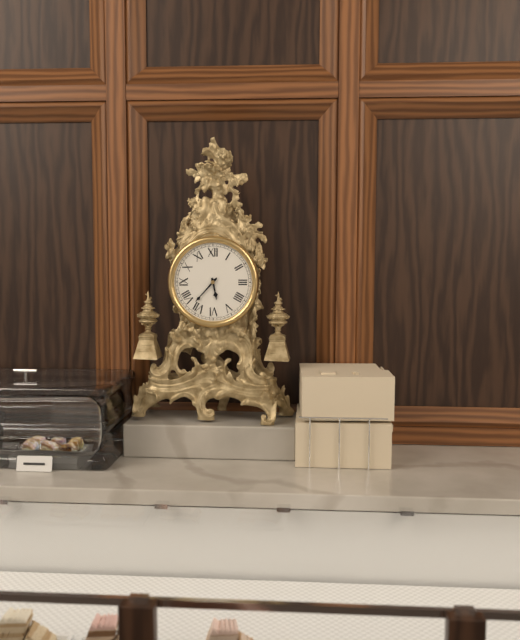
5:37
